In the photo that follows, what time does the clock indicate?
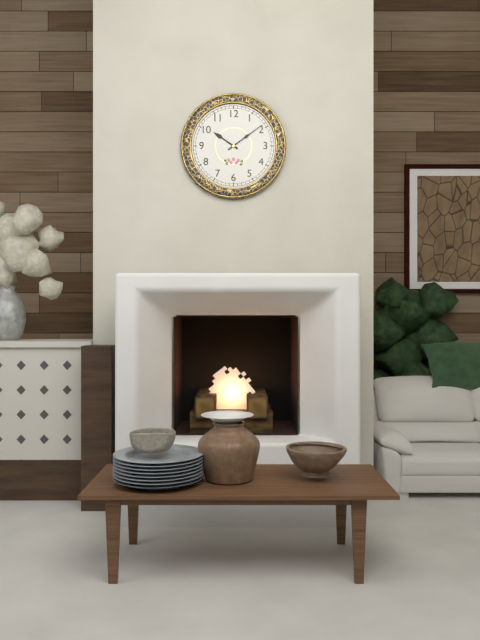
10:09
